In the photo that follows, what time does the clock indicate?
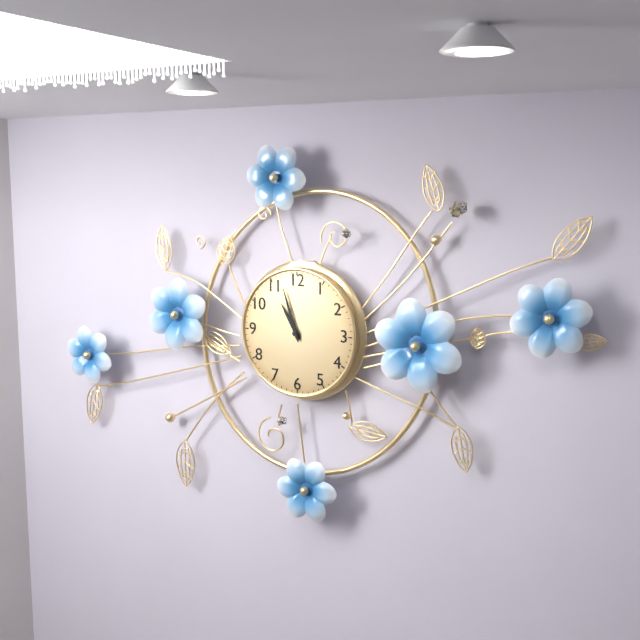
10:57
